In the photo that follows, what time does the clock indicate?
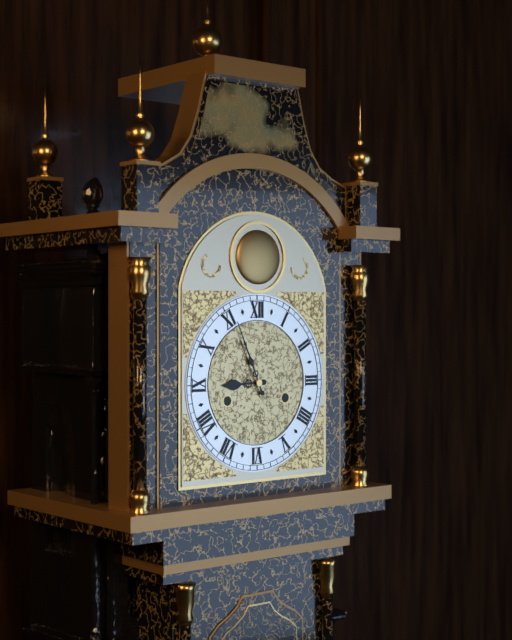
8:56
